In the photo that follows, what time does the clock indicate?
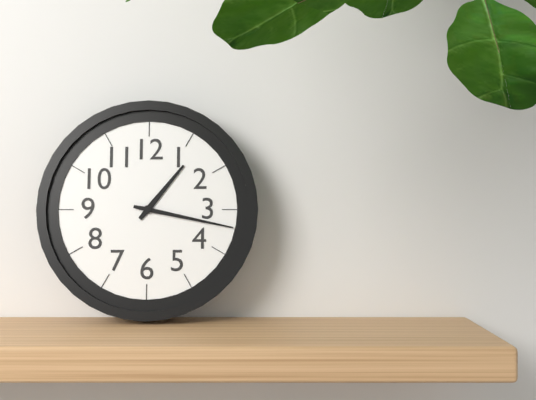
1:17
